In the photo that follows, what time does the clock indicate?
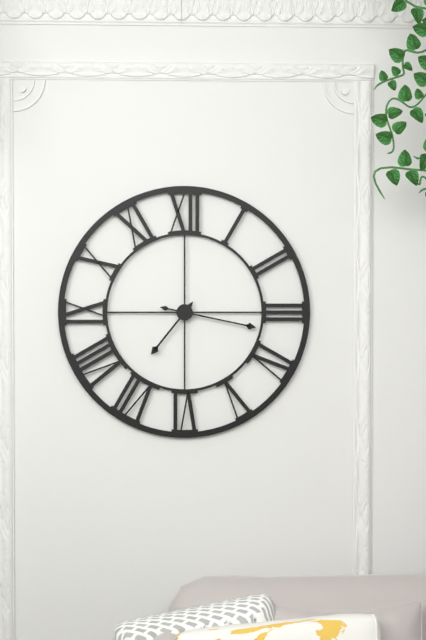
7:17
